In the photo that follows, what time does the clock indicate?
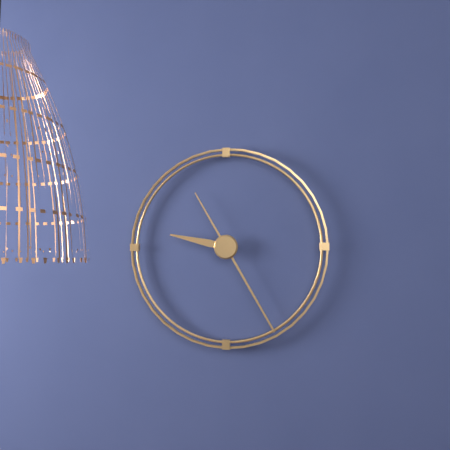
9:25
